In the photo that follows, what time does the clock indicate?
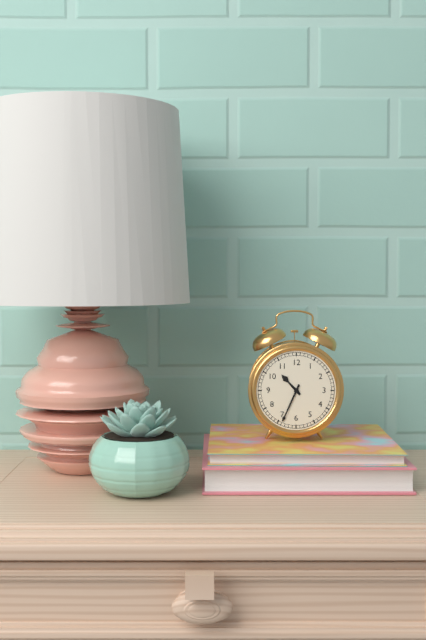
10:34
